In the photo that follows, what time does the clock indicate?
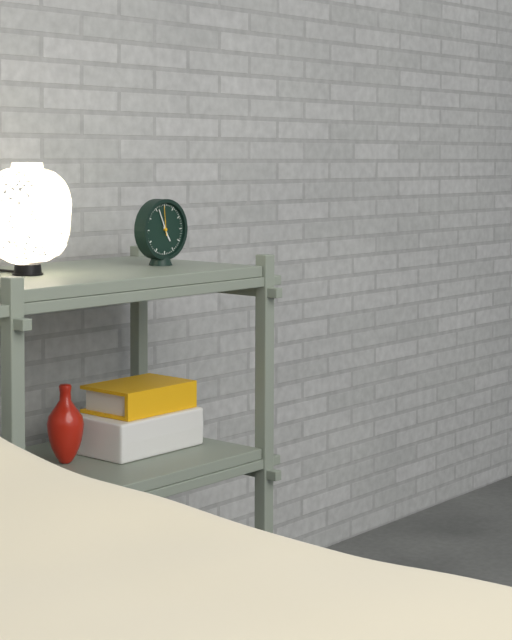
4:56
